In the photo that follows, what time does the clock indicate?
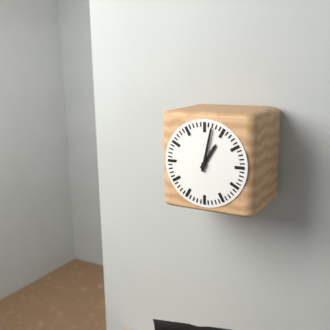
1:02
